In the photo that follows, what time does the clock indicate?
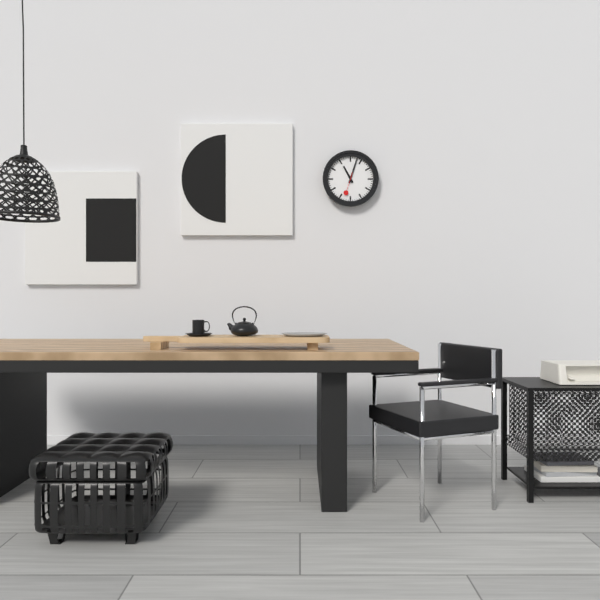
11:03
